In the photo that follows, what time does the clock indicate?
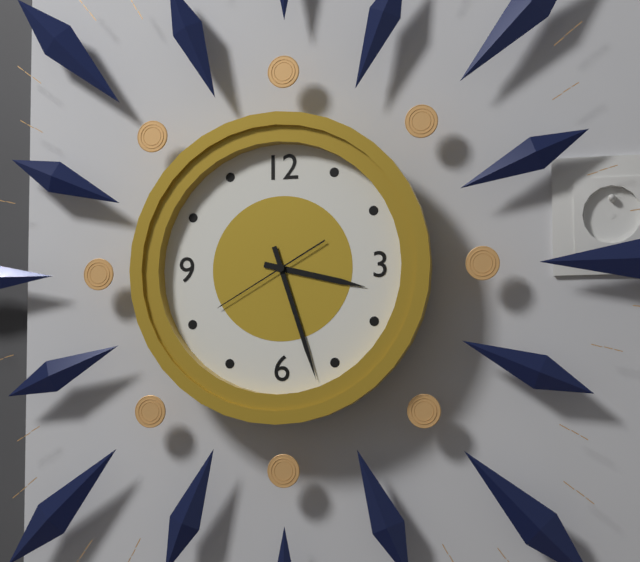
3:27:40
